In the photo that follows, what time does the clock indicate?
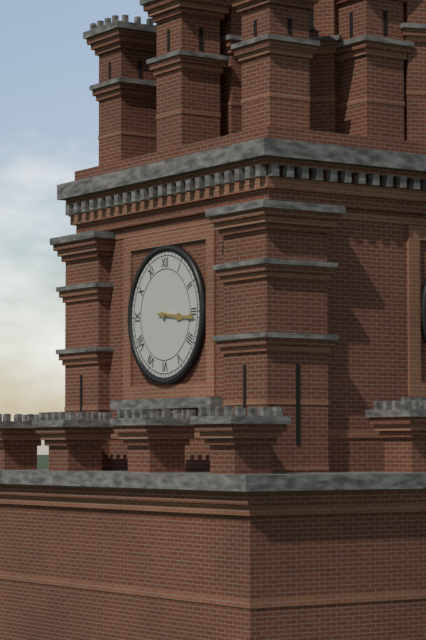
3:16
